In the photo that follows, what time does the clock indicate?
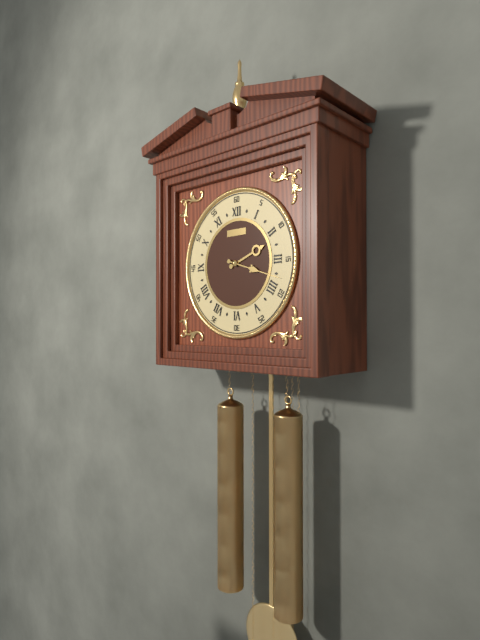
2:18
